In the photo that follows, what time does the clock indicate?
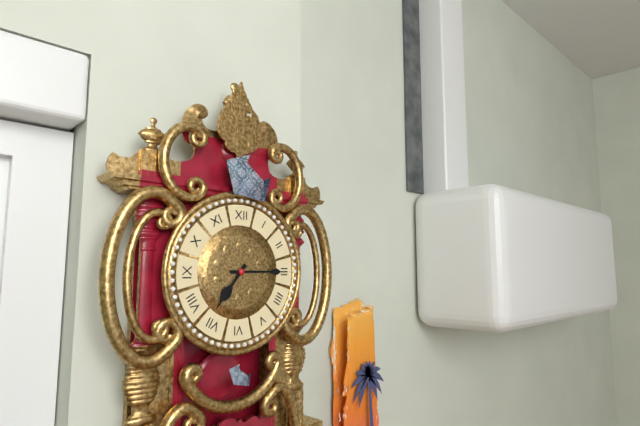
7:15
